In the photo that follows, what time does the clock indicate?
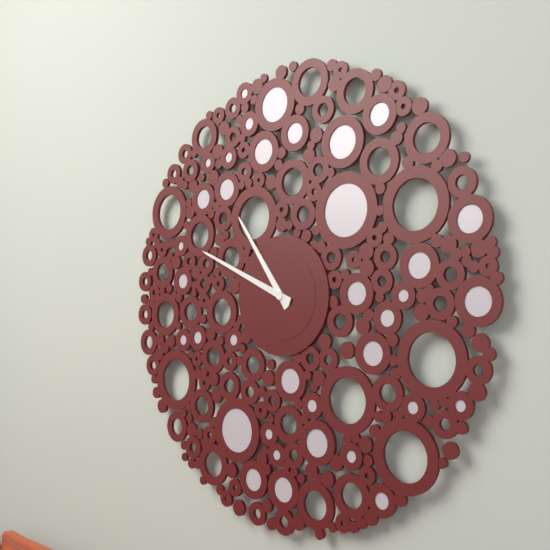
10:49
